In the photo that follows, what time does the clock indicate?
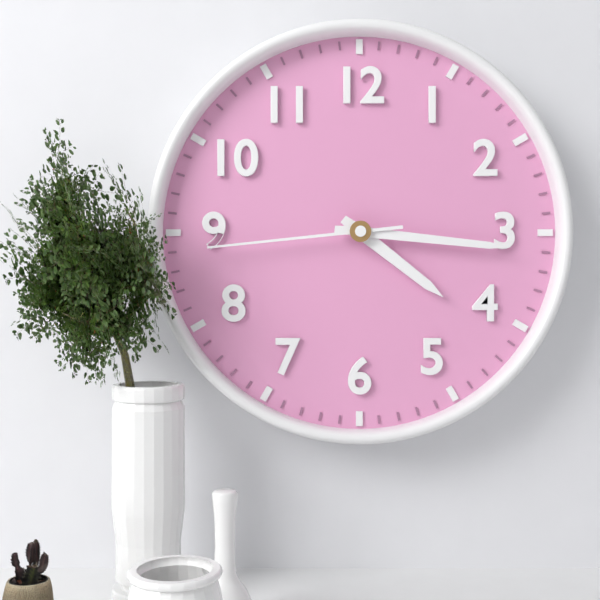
4:16:44
